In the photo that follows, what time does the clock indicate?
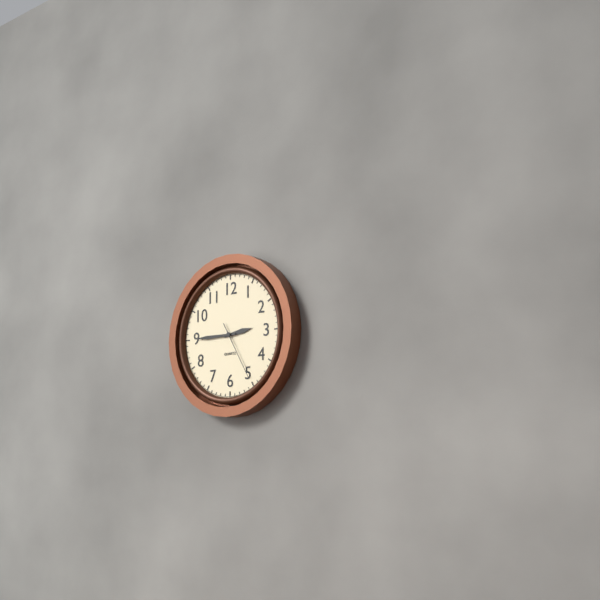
2:45:25
